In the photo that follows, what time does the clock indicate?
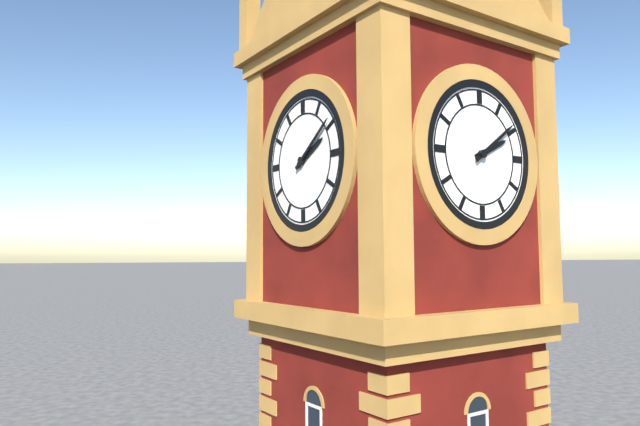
2:09
